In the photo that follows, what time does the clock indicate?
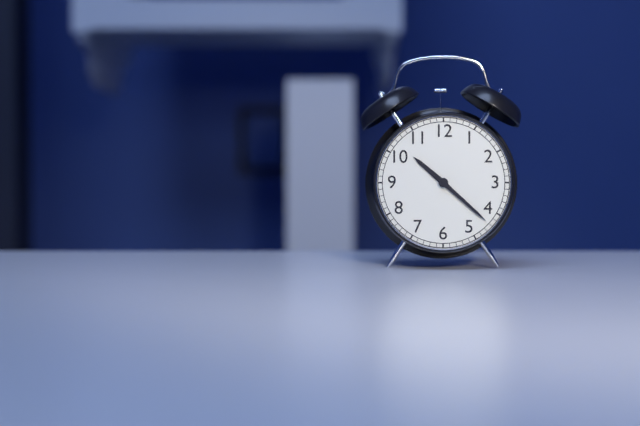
10:22
